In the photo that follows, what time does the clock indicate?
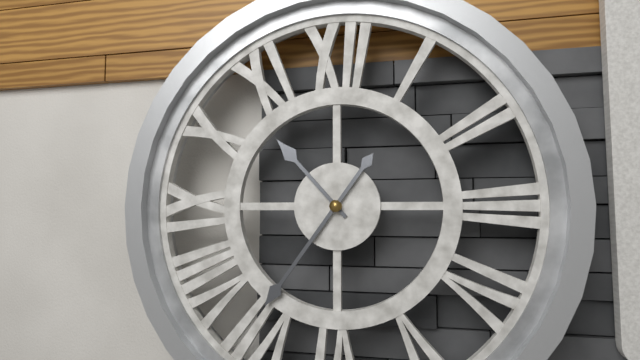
10:36
